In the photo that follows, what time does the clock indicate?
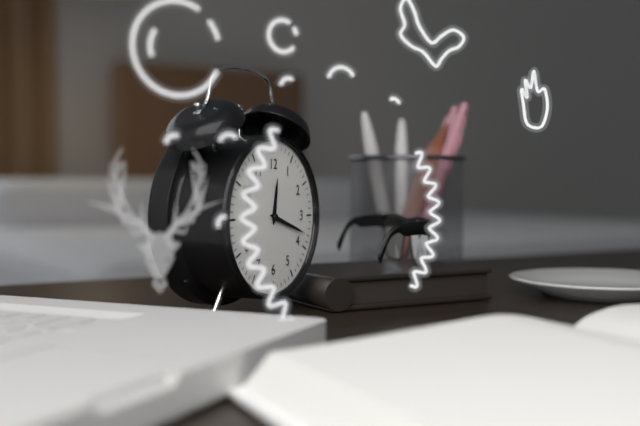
12:18
